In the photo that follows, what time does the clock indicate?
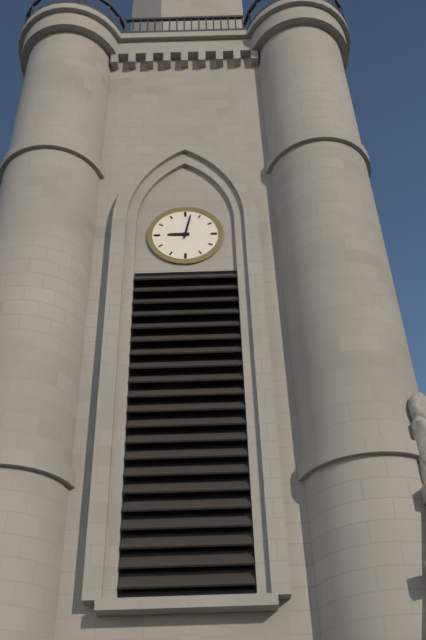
9:02
